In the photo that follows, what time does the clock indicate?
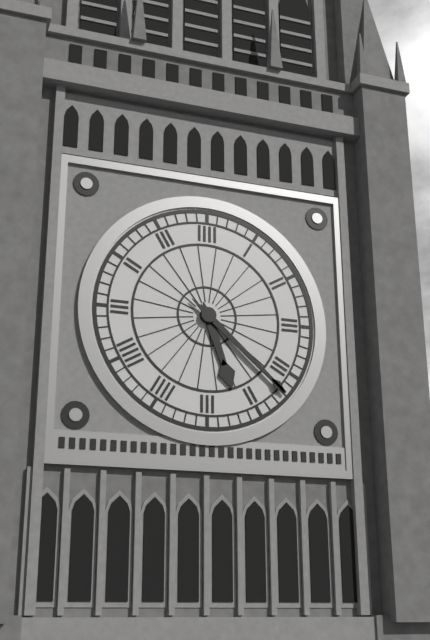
5:22
